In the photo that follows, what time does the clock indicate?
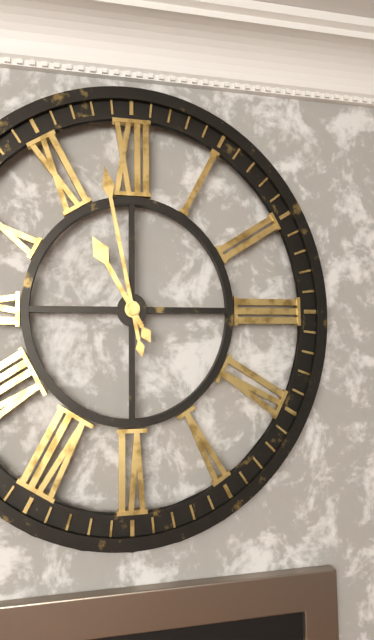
10:58
